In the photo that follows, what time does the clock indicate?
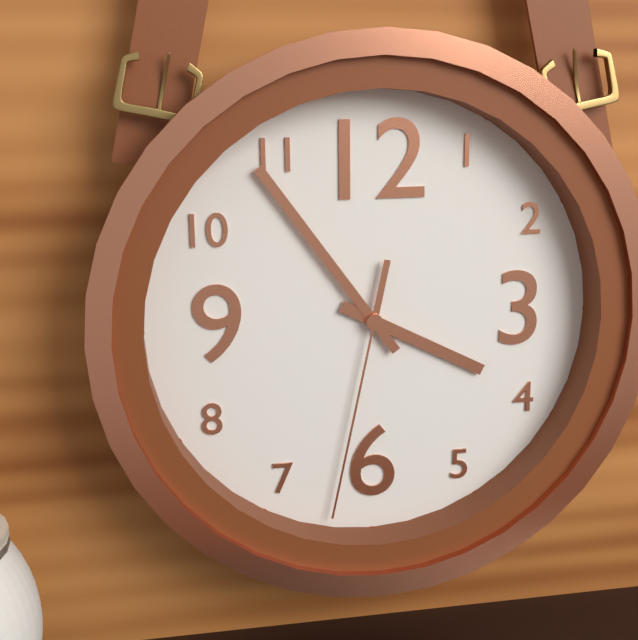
3:54:32
